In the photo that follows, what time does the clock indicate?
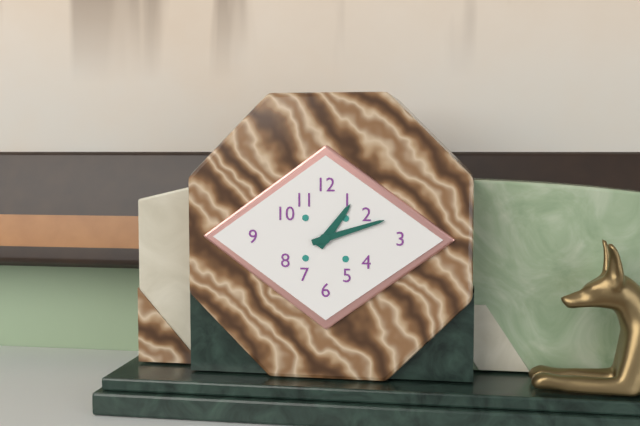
1:12
